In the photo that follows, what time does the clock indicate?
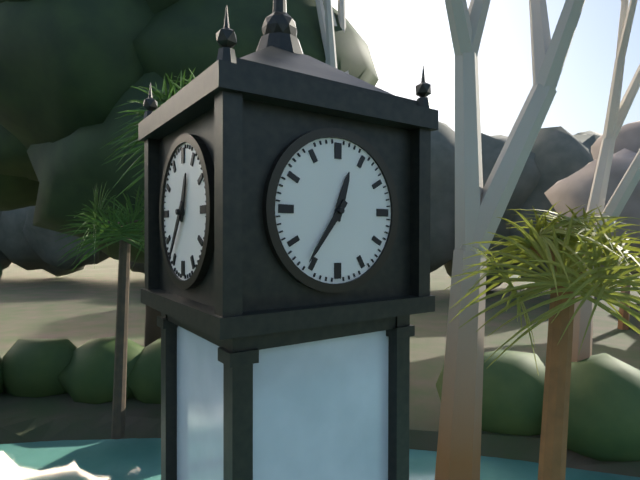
12:36
